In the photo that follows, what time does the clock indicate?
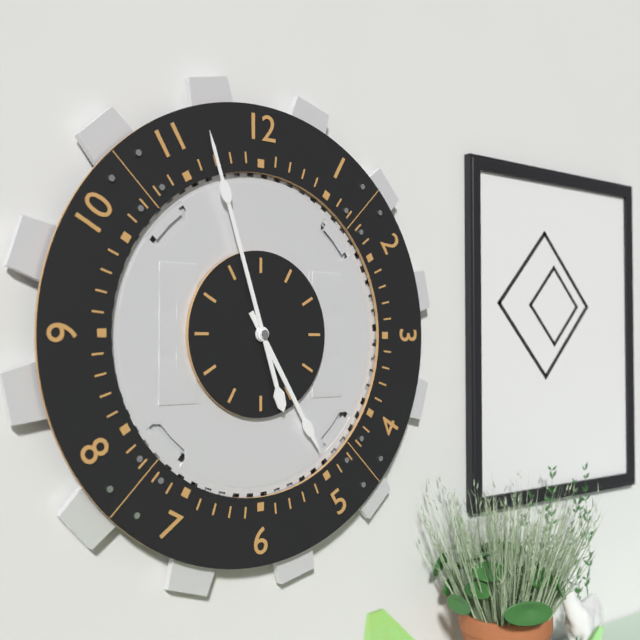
4:57
